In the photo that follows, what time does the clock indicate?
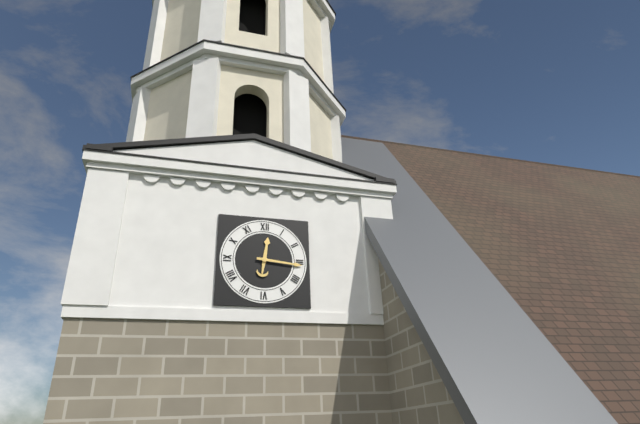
12:16
